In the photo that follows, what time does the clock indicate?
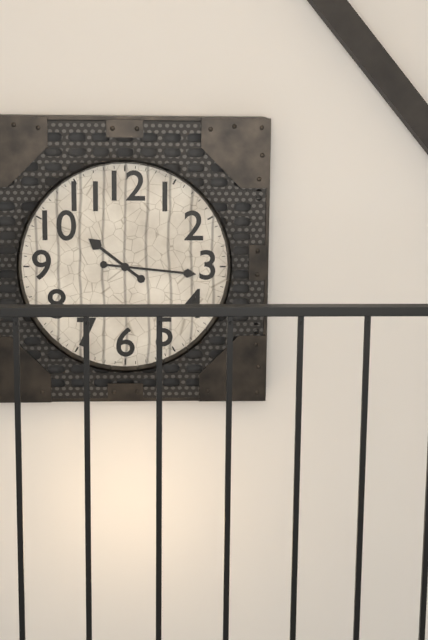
10:16
